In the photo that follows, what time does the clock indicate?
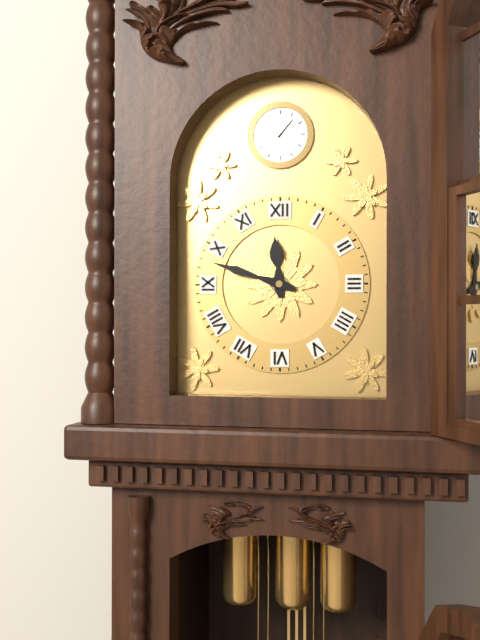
11:48
